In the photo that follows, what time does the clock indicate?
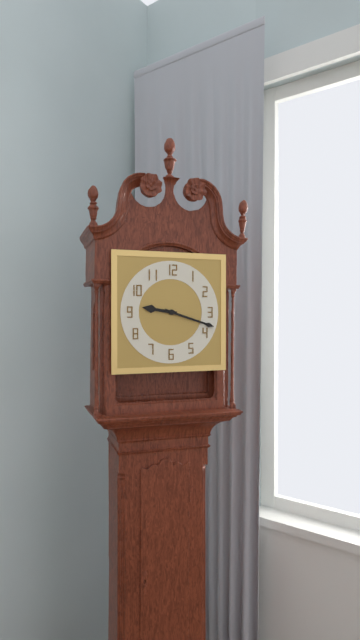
9:18
